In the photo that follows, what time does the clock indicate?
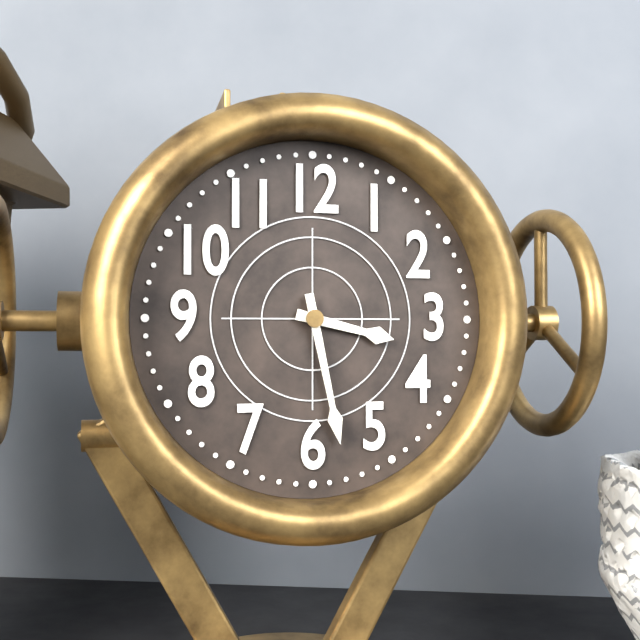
3:28
